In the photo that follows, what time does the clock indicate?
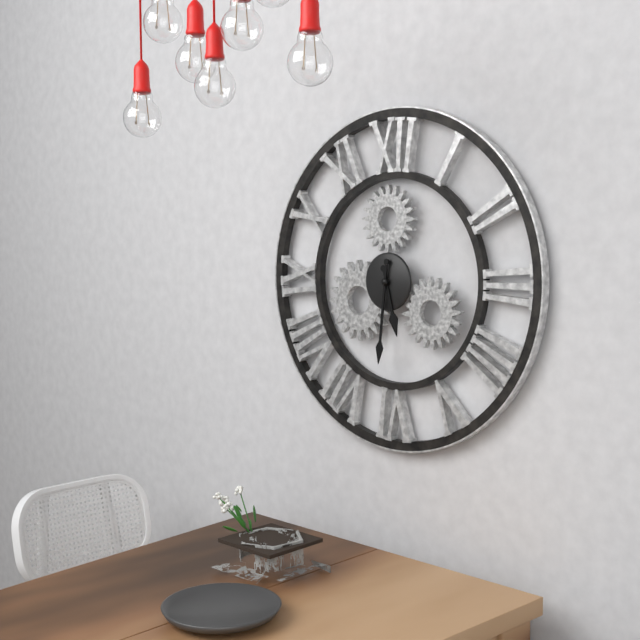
5:31
